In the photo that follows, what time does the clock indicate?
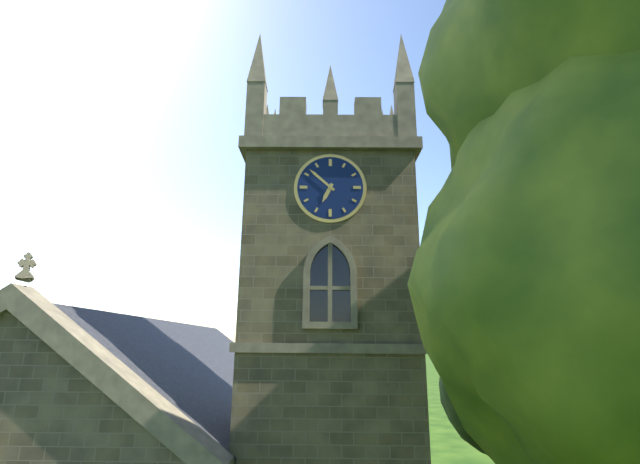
6:52
